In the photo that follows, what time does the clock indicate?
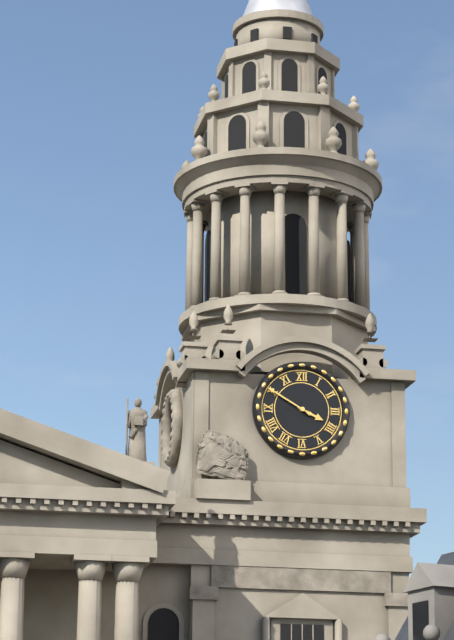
3:50
